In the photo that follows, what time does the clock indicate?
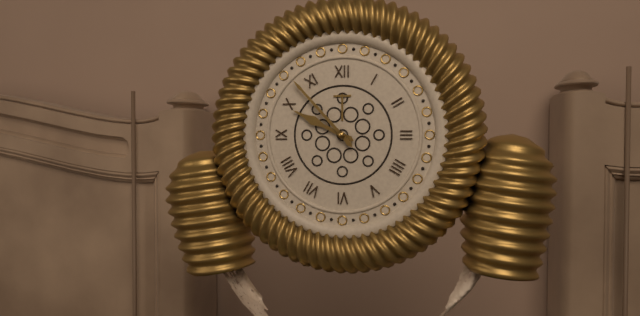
9:53
